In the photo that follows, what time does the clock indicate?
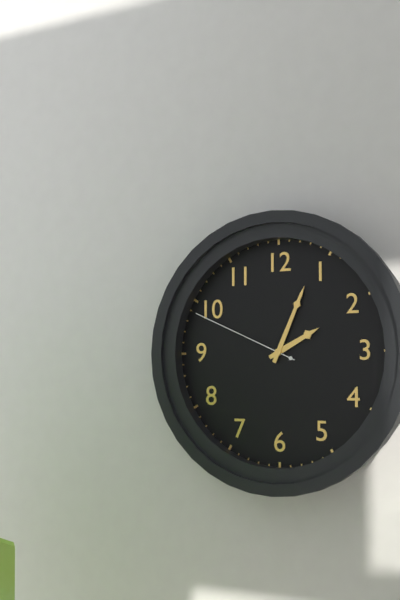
2:04:49
